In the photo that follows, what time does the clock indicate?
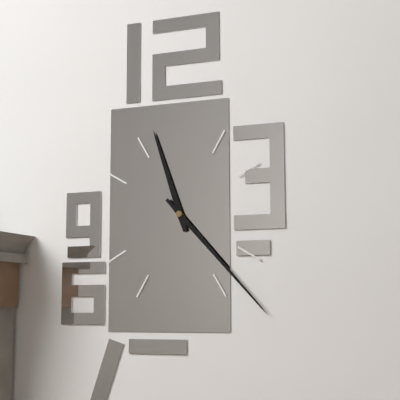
11:23
